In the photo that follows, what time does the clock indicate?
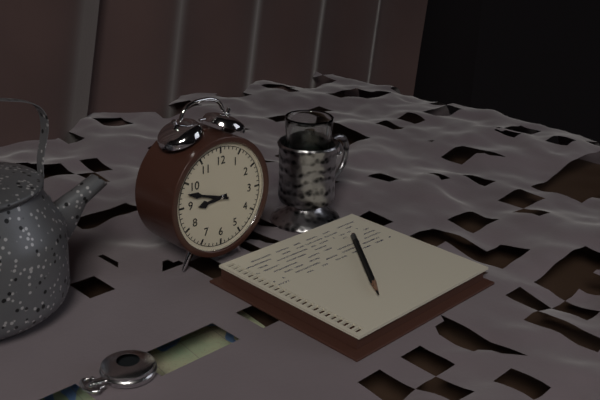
8:48
